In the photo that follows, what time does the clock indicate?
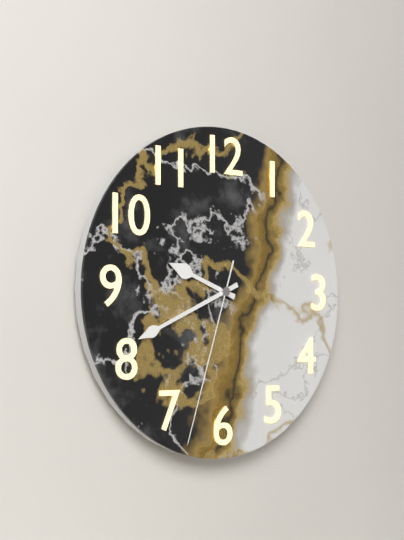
9:41:33
